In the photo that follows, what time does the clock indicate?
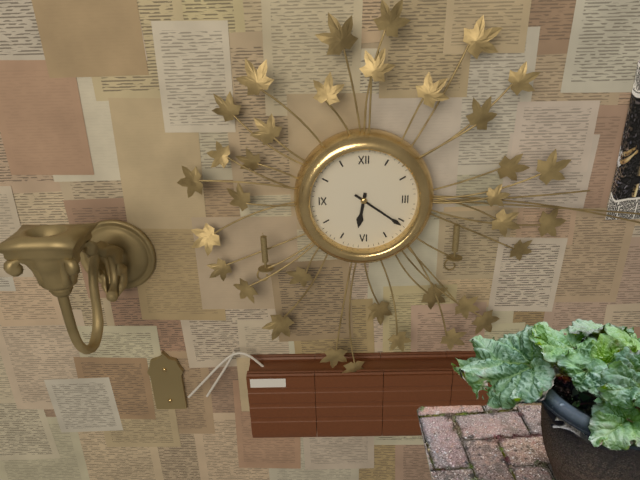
6:21
